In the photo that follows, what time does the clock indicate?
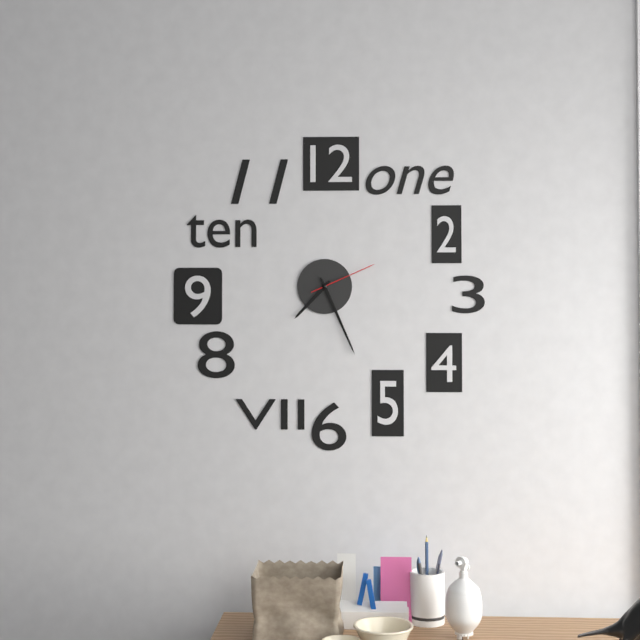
7:26:11
